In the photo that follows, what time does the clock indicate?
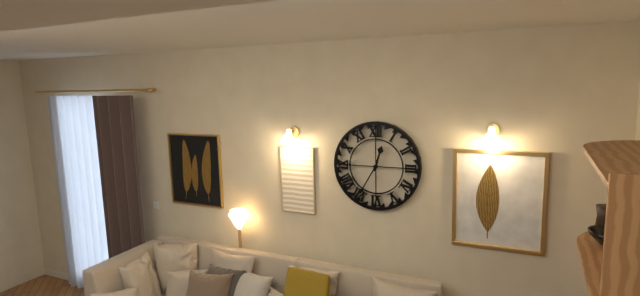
12:35
